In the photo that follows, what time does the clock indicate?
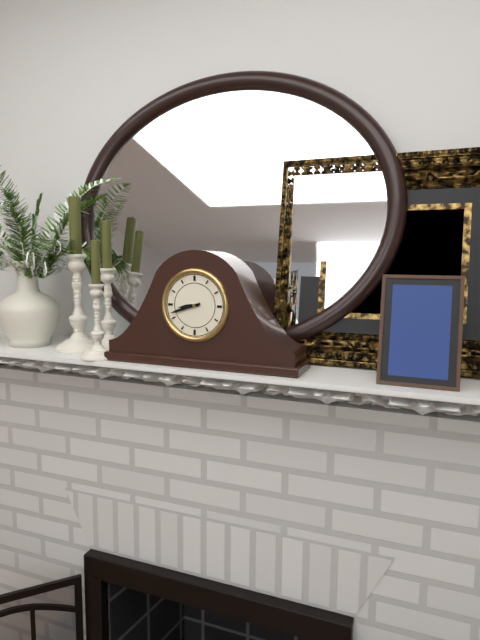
8:42
